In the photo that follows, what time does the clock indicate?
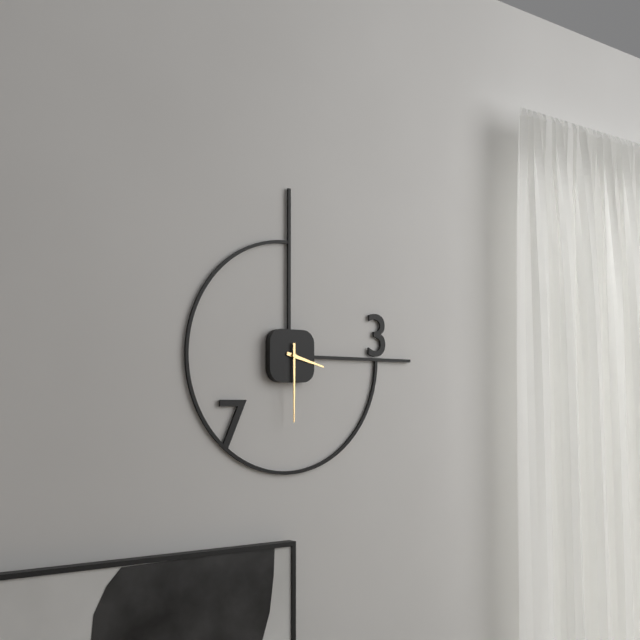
3:30
